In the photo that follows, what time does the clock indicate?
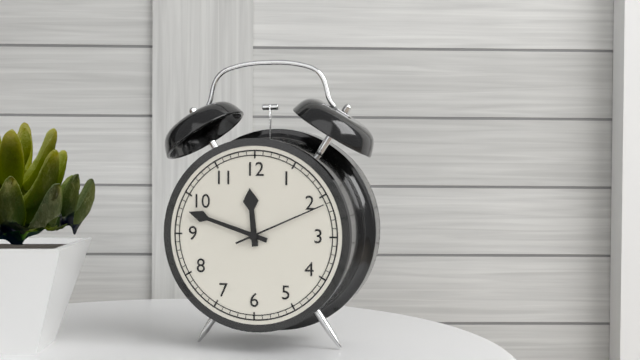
11:48:11
